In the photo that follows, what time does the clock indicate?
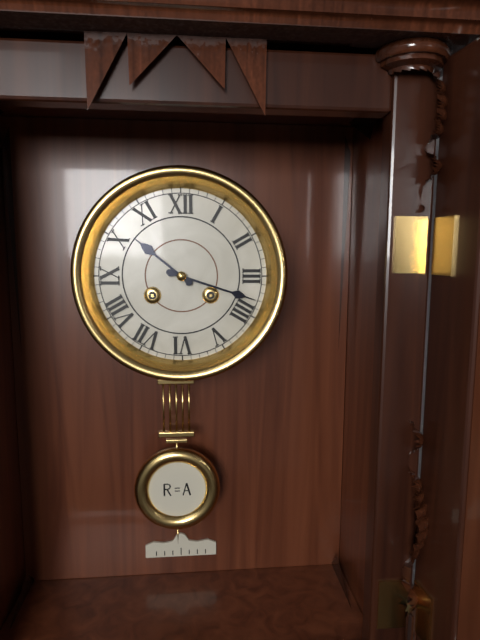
10:18
